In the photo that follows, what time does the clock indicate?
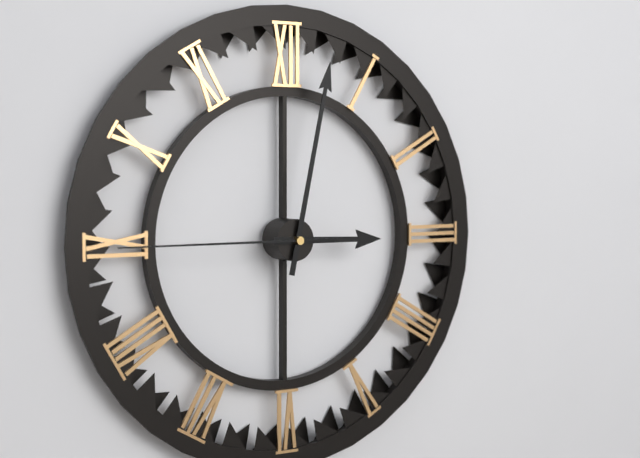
3:02:45
